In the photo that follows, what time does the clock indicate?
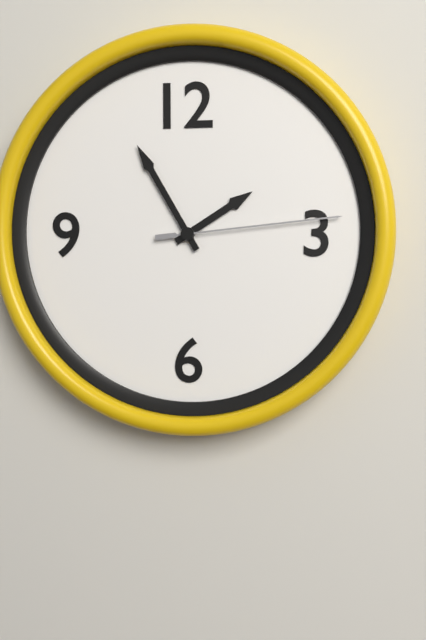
1:55:14
